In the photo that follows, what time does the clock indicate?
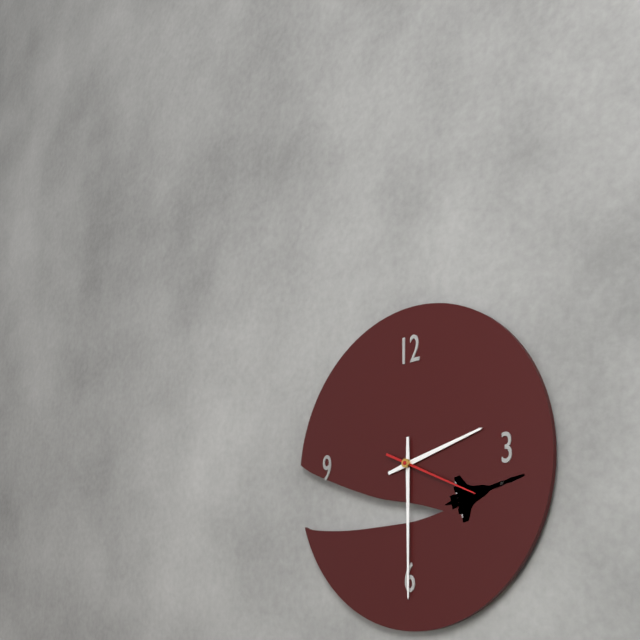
2:30:19
